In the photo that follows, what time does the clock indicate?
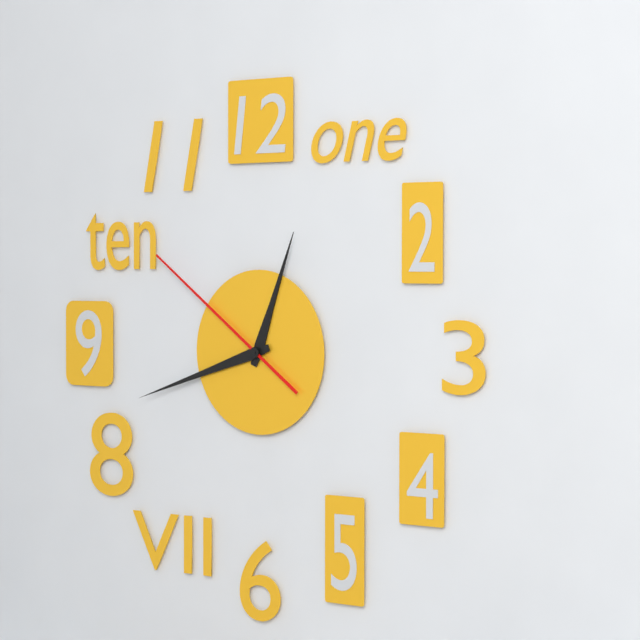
12:42:51
